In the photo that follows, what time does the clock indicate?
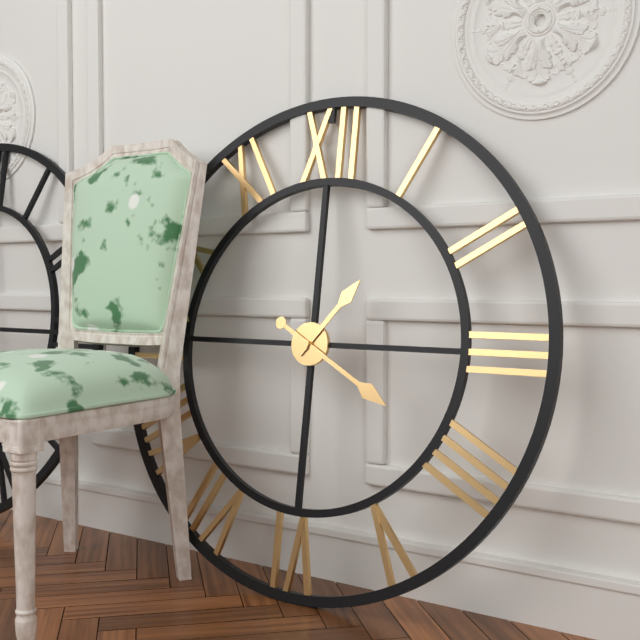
1:20
